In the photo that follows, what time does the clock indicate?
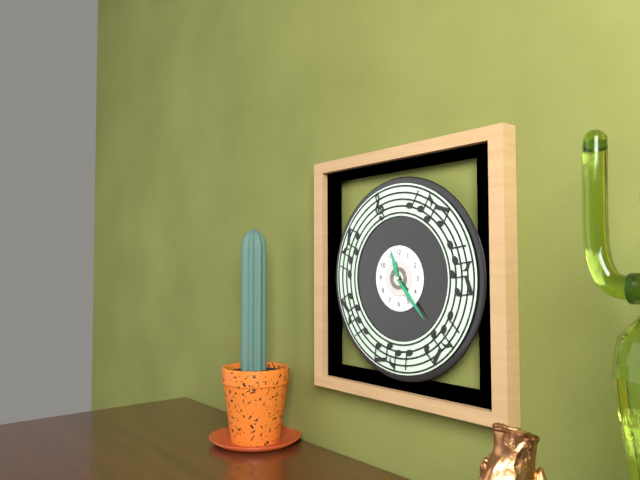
11:23
